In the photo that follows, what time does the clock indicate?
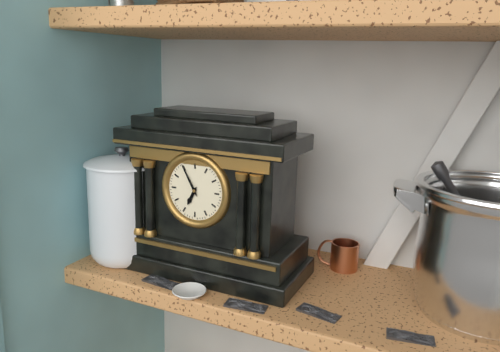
6:55
